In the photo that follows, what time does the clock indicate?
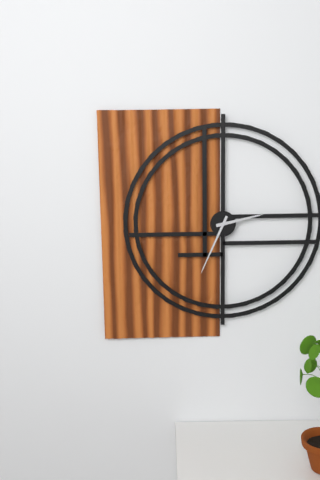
2:34
